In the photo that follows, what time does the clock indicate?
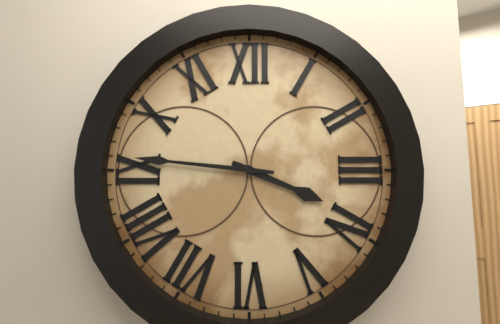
3:46
